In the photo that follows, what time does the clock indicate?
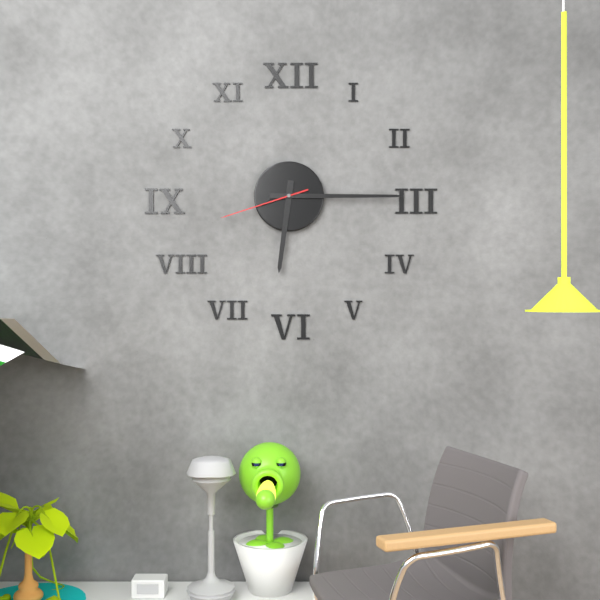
6:15:42
